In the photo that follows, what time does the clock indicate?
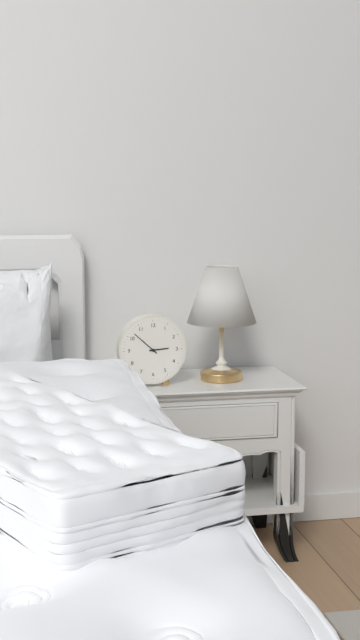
2:52
